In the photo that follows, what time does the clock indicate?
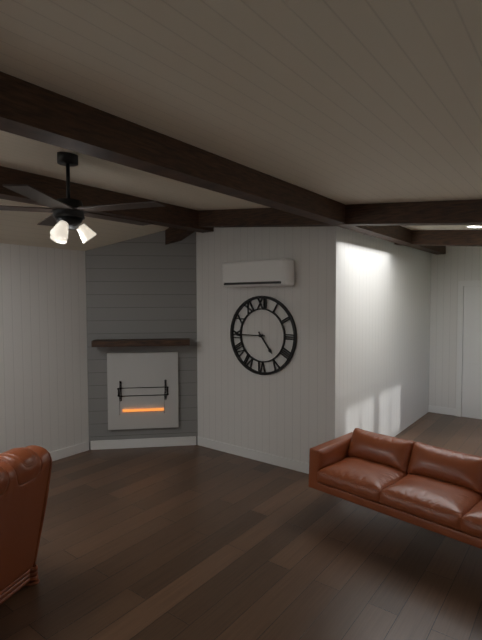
4:45
